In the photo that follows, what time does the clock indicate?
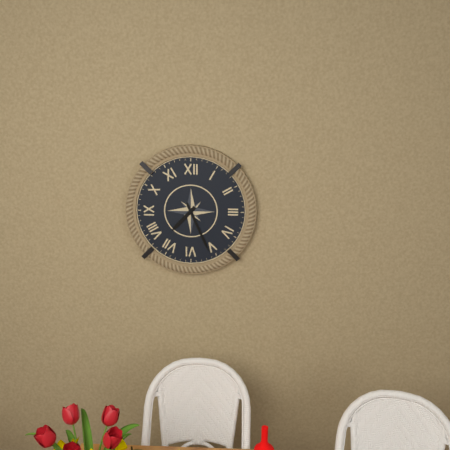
7:26
